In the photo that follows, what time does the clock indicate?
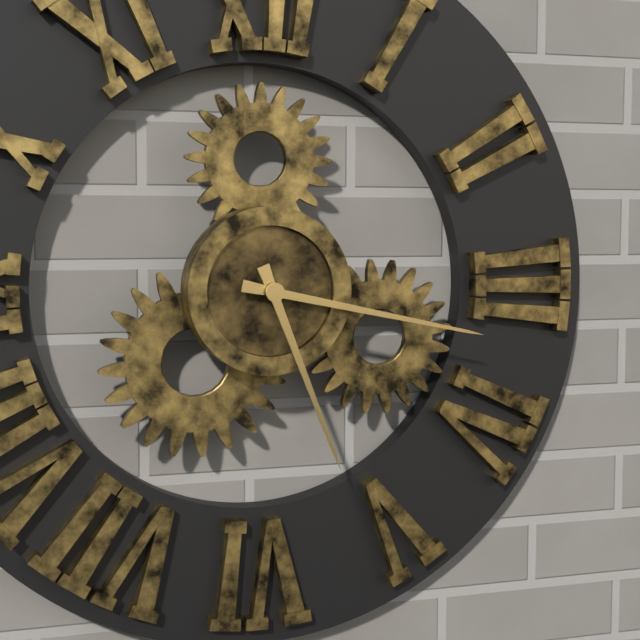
5:17
